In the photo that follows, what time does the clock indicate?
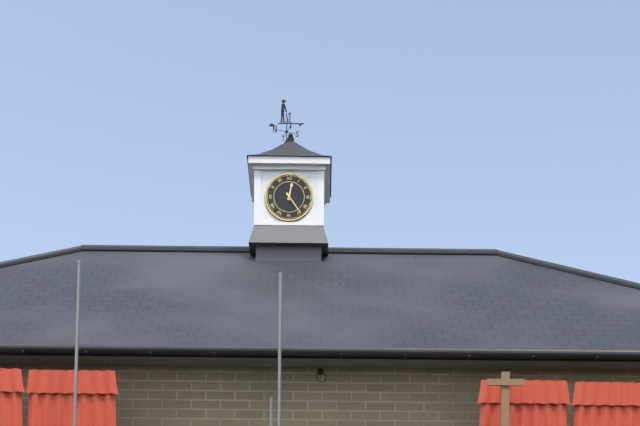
12:24
